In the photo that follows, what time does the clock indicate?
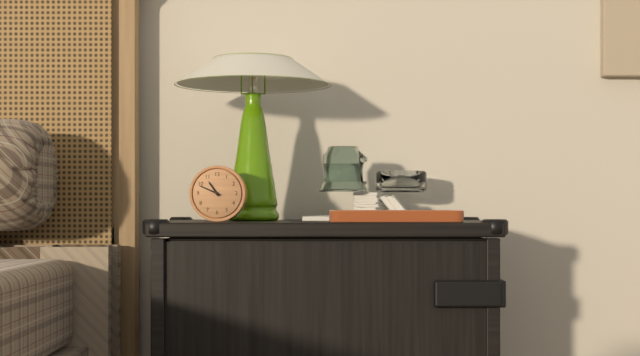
10:49
